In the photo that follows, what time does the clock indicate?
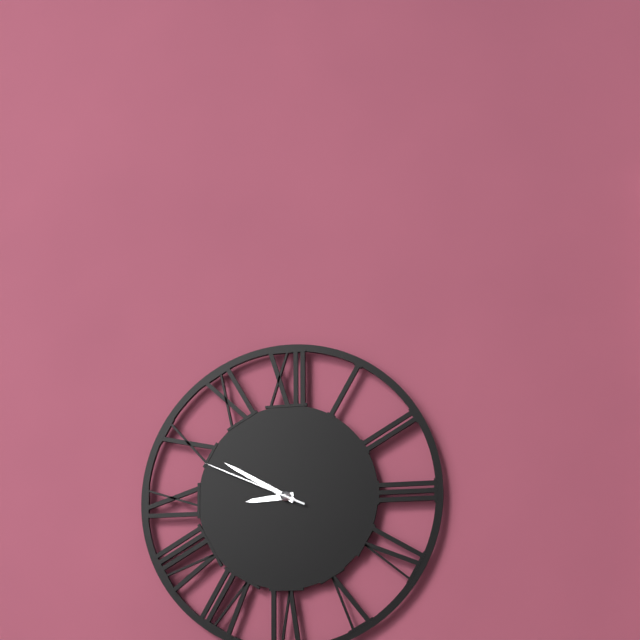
8:50:49
